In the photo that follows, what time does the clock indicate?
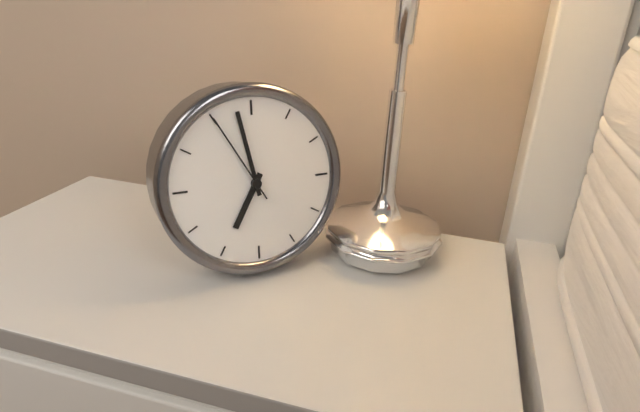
6:58:55
